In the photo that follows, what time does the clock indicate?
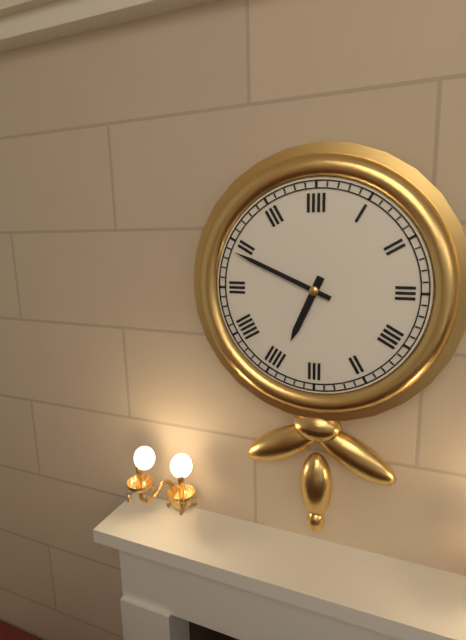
6:49
